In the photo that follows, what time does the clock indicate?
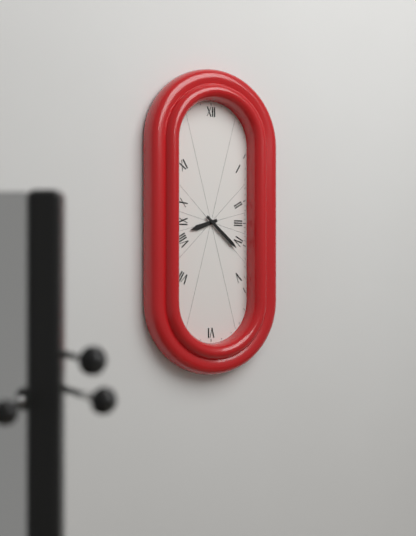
8:22
